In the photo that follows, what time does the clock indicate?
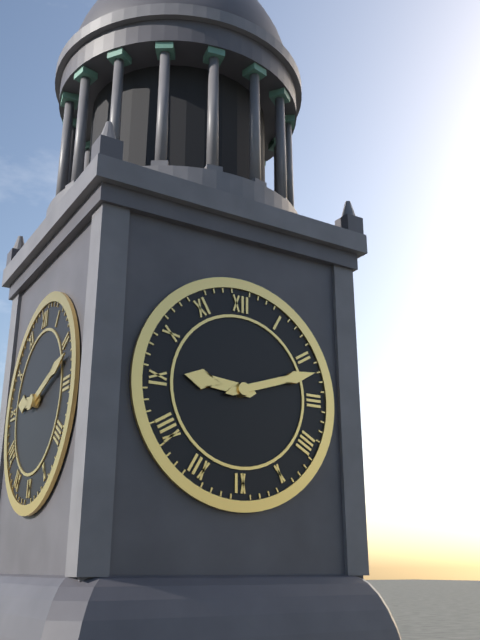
9:12
